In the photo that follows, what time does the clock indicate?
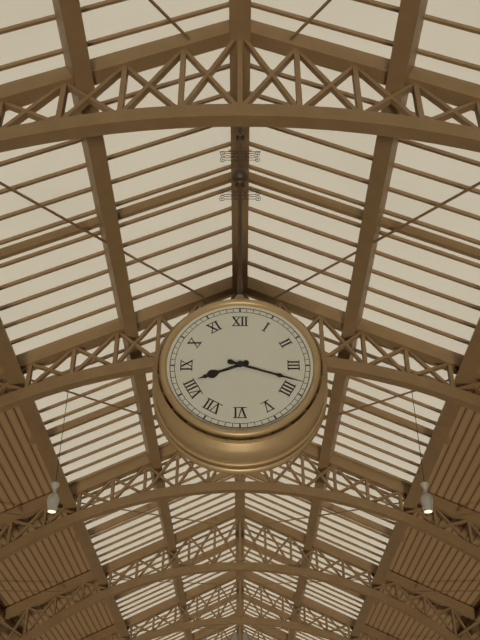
8:18
